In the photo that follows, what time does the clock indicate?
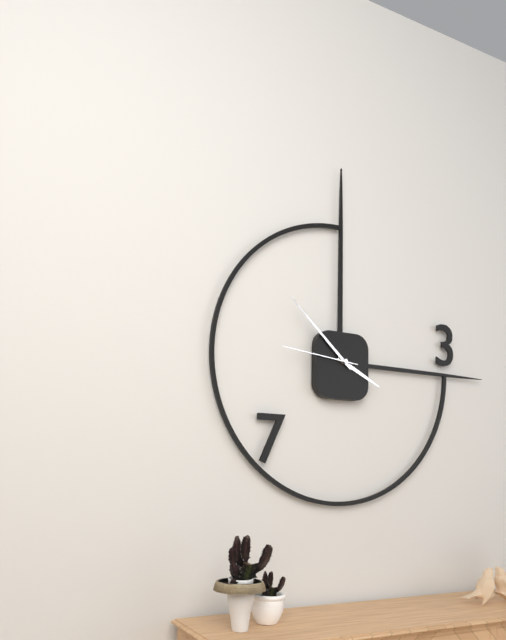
3:52:46
